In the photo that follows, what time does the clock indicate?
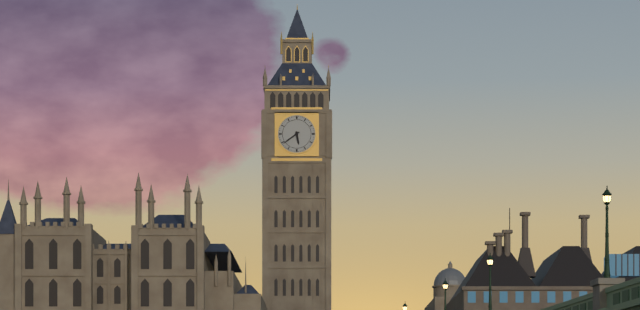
5:39
